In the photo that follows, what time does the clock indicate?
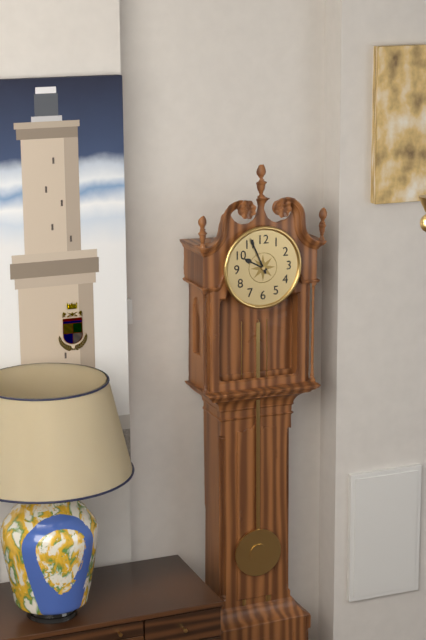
9:56
